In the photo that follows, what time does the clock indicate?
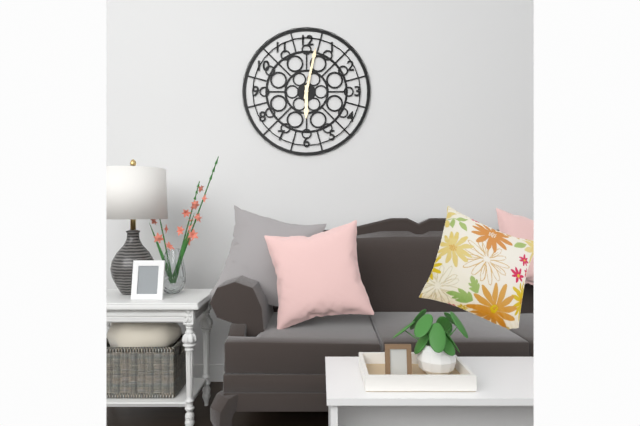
6:02
